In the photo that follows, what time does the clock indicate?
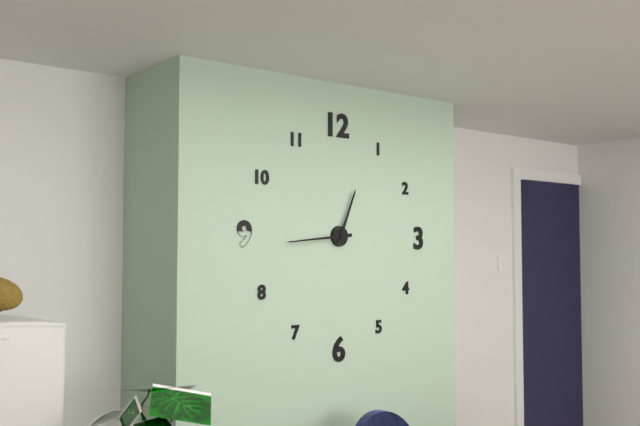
12:44
